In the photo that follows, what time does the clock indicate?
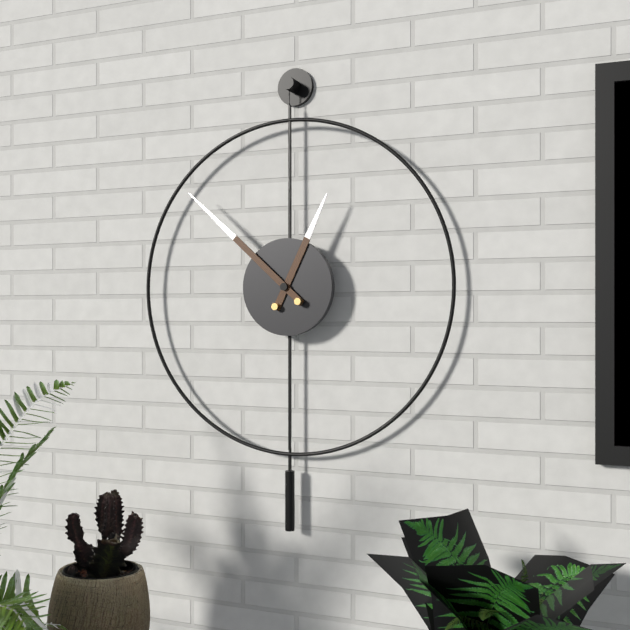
12:52
